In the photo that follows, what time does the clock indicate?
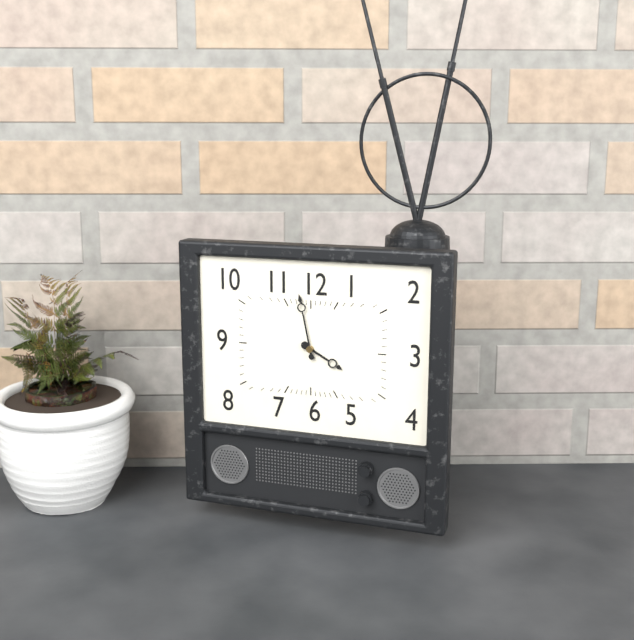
3:58
